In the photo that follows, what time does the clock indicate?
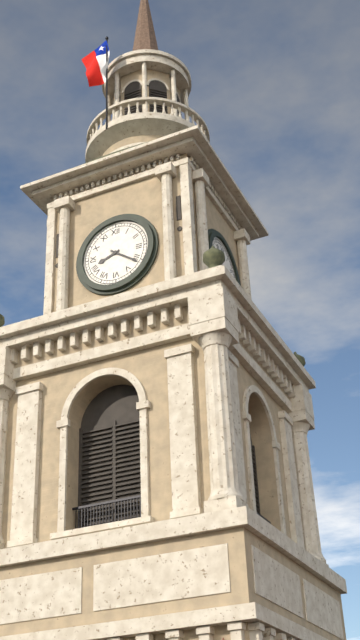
8:21
